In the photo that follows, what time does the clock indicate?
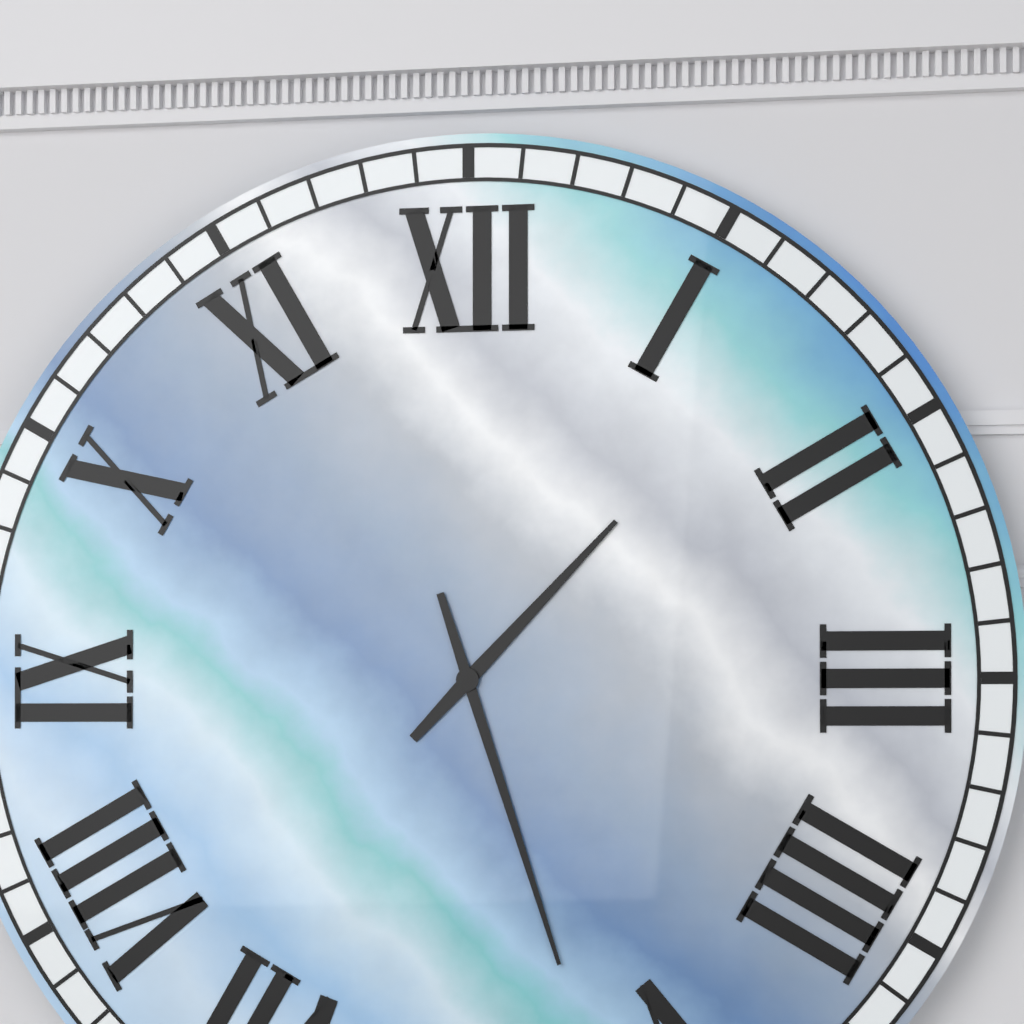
1:27
